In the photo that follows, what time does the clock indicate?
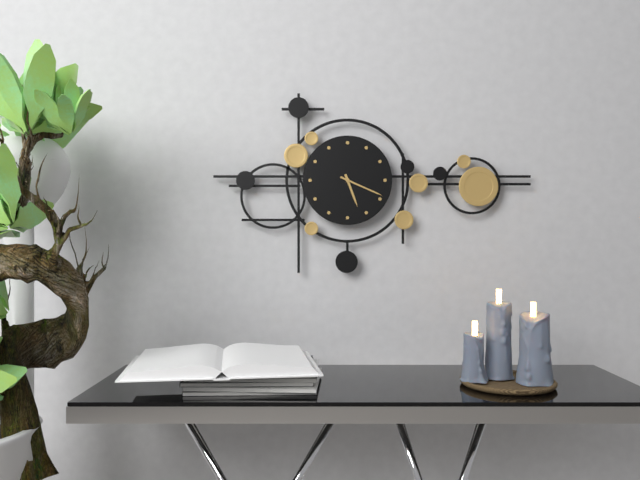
5:19
